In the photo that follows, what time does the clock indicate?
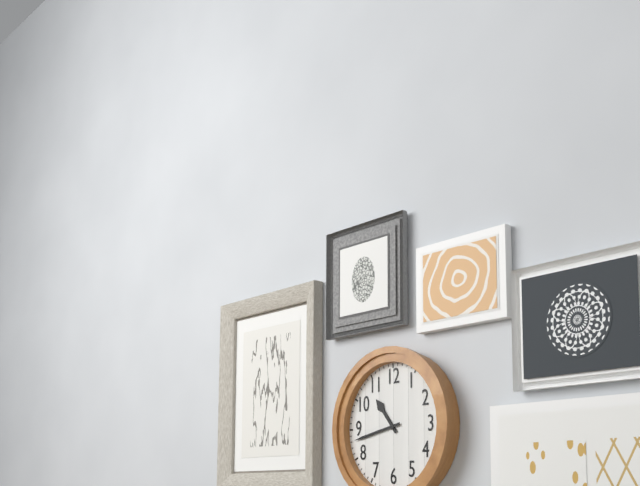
10:43
